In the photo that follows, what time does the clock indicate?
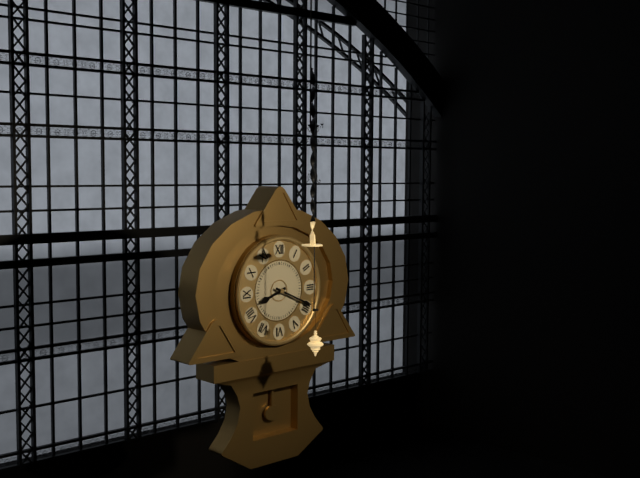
8:19
